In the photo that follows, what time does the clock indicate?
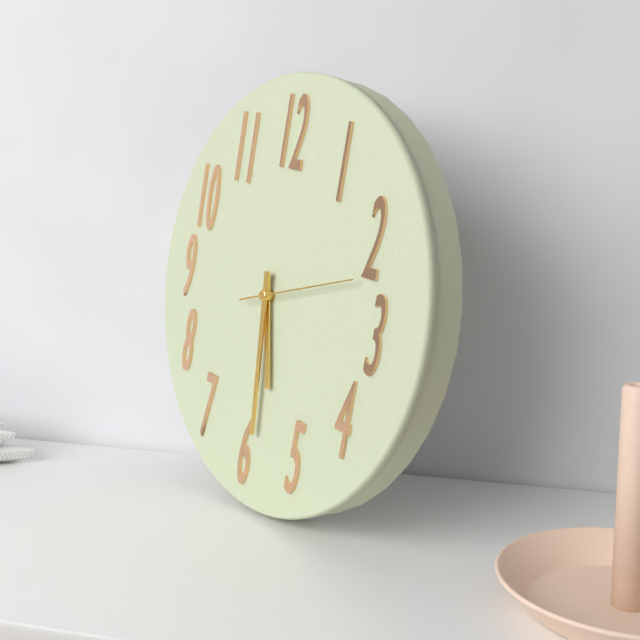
5:29:12
